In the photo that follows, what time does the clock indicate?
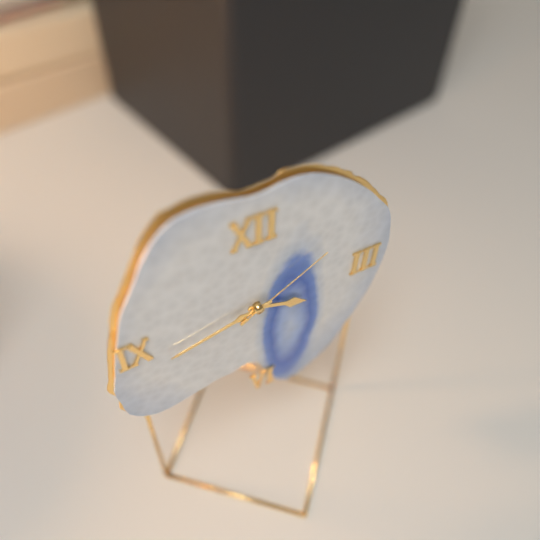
3:43:10
